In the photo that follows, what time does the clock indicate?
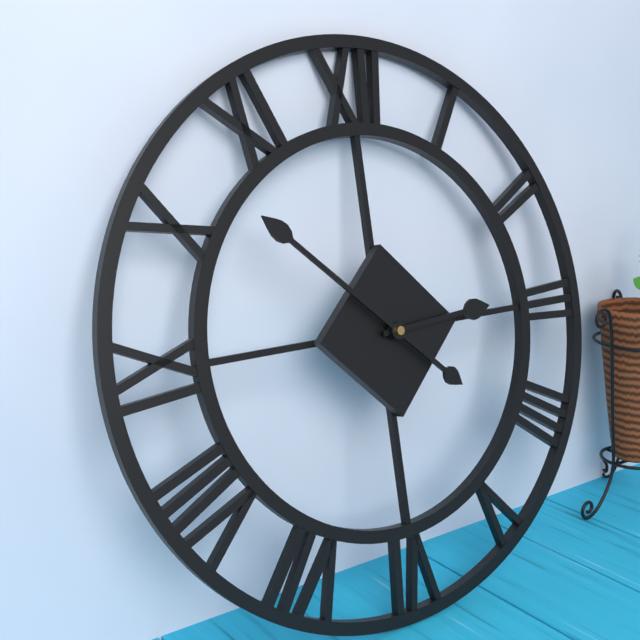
2:52
